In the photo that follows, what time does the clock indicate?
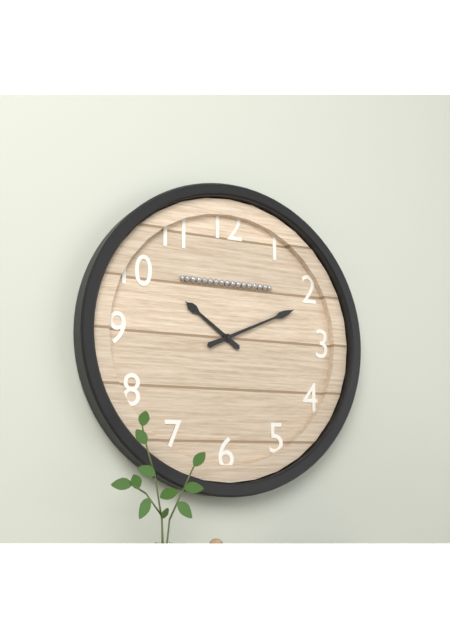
10:11
